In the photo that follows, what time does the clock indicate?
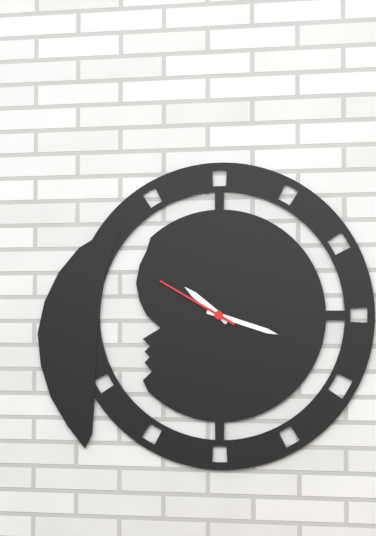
10:18:50
